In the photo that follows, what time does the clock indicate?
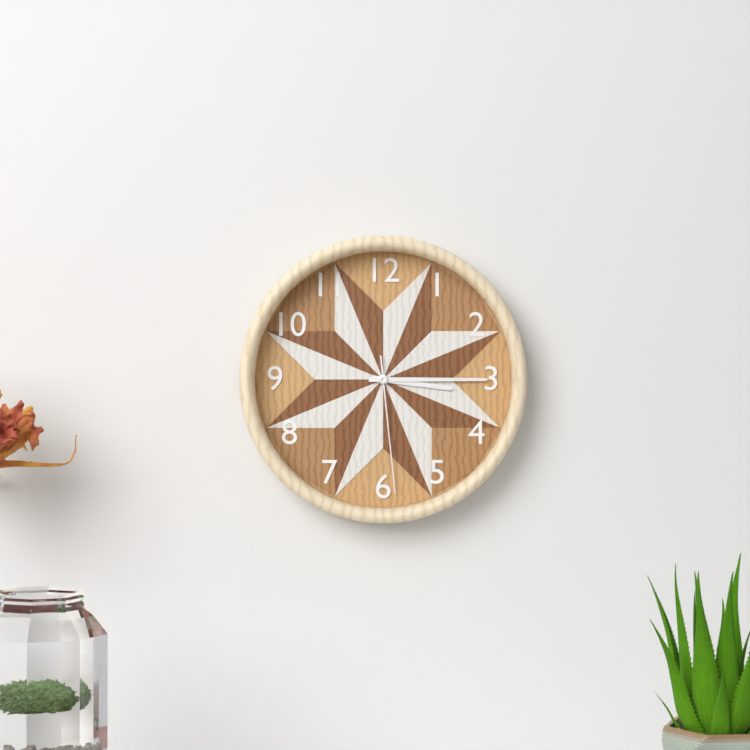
3:15:29
